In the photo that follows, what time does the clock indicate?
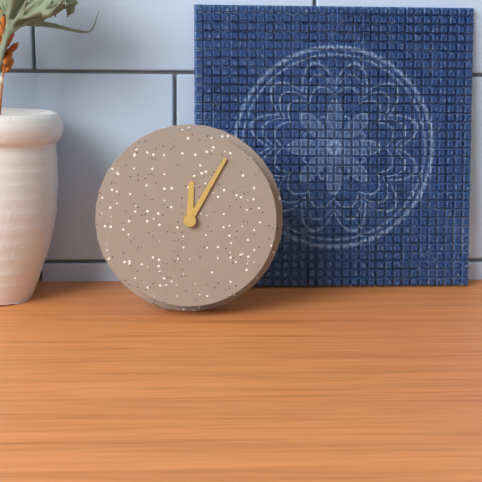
12:05
